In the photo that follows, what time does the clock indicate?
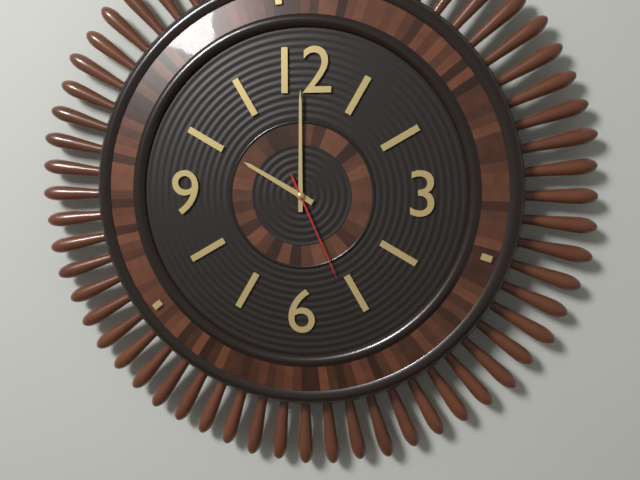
10:00:26
